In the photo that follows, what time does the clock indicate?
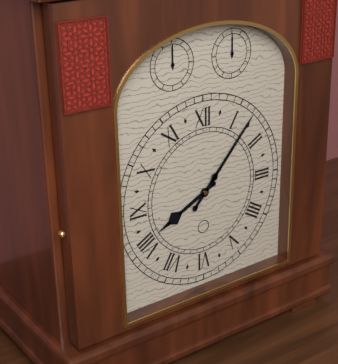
8:07
